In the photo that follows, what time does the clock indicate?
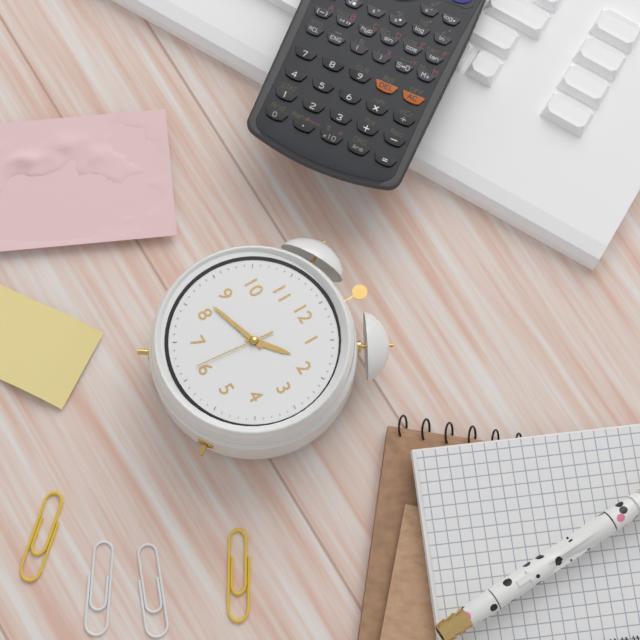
1:42:31
